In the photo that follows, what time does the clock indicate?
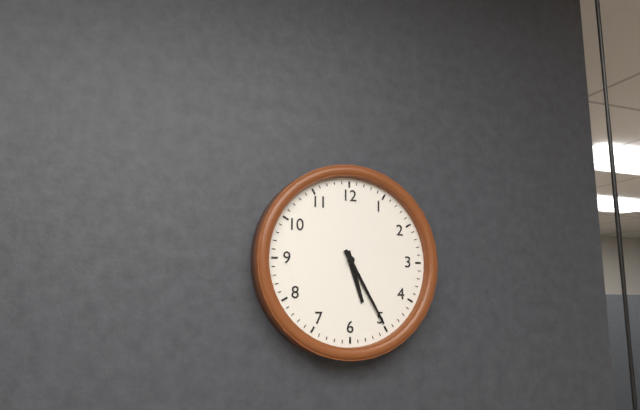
5:25
